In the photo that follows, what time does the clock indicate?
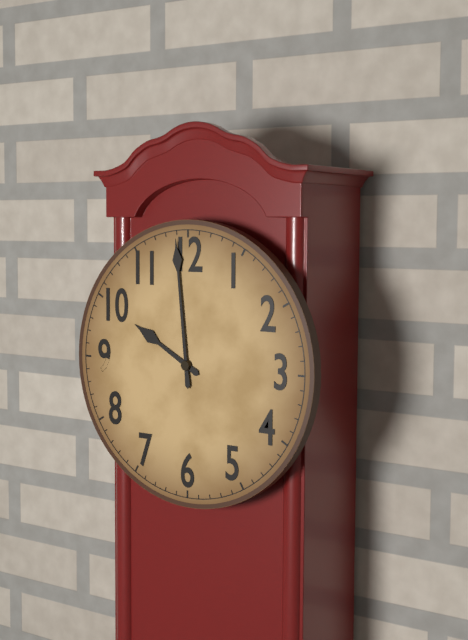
9:59
